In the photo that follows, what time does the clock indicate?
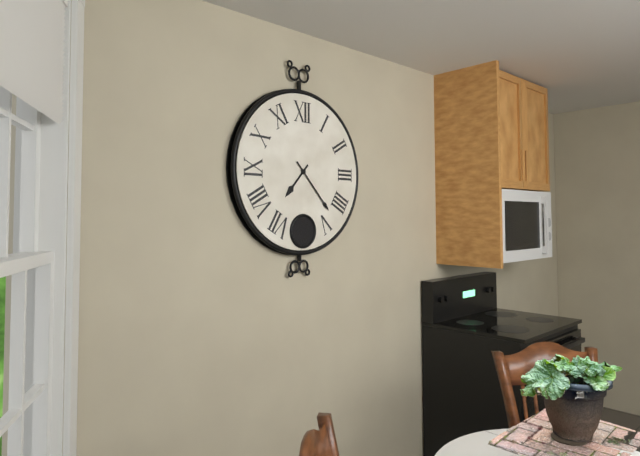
7:23
